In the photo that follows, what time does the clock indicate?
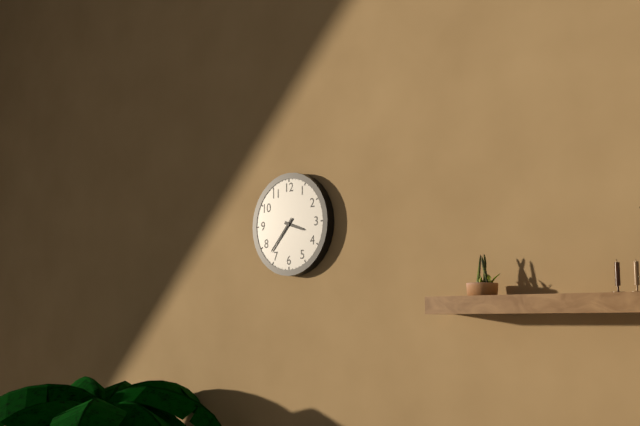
3:37
